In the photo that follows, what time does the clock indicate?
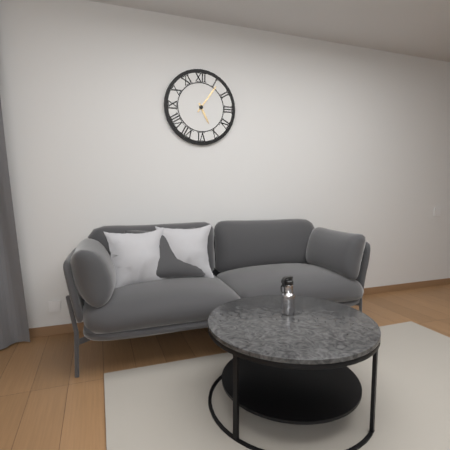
5:06
